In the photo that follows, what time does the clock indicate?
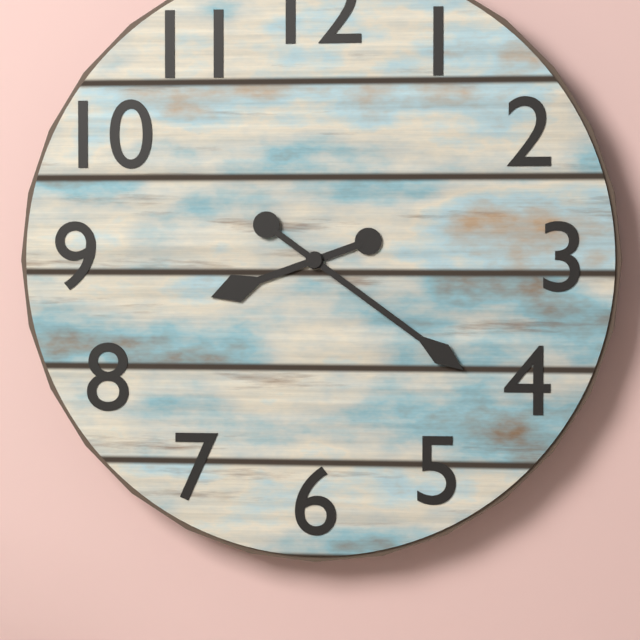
8:21
